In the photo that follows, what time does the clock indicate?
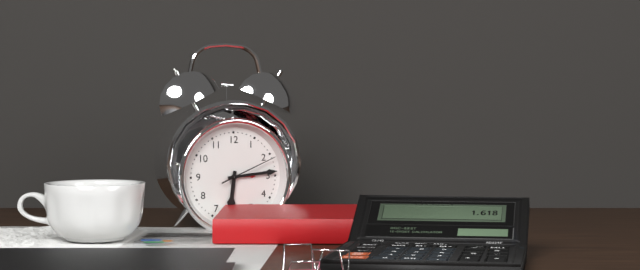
6:14:11
